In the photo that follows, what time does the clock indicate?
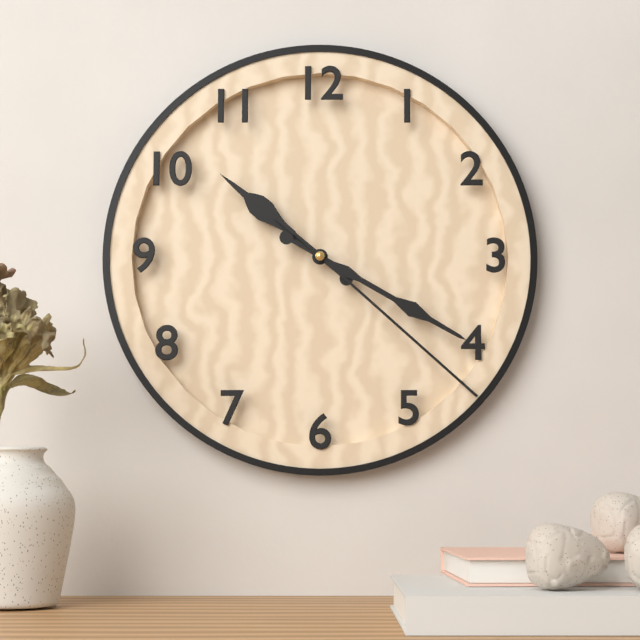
10:20:22
